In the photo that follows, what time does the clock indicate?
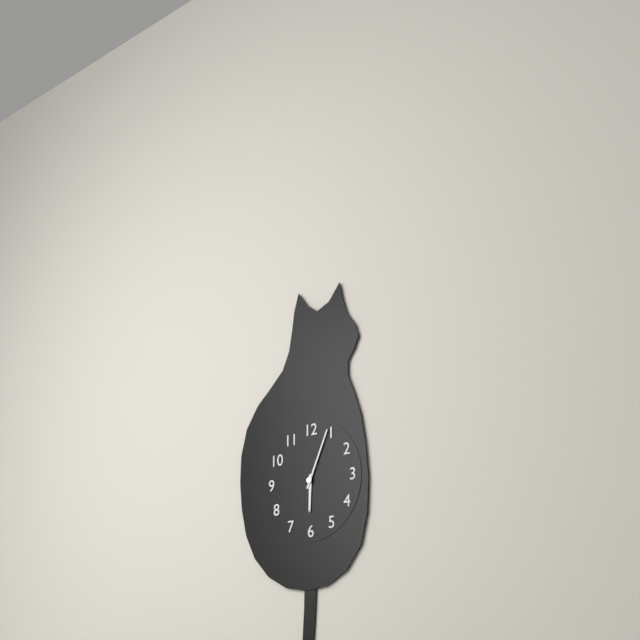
6:04
